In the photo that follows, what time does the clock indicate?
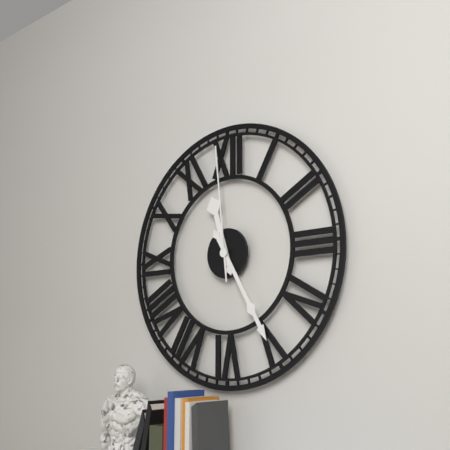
11:25:59
